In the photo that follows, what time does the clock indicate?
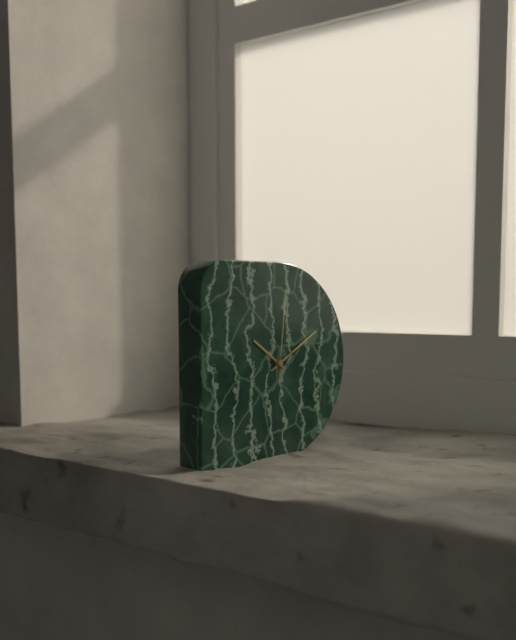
10:10:01
